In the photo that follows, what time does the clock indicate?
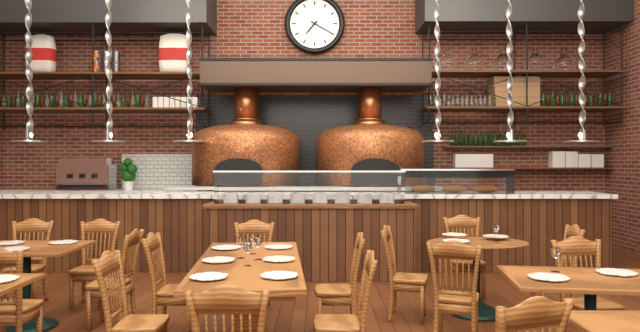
7:20
